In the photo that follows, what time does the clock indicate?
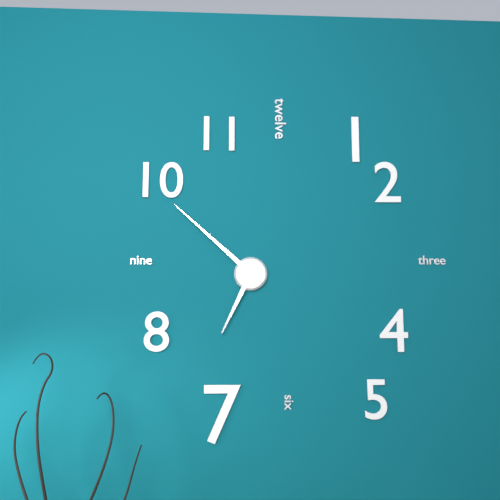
6:52
